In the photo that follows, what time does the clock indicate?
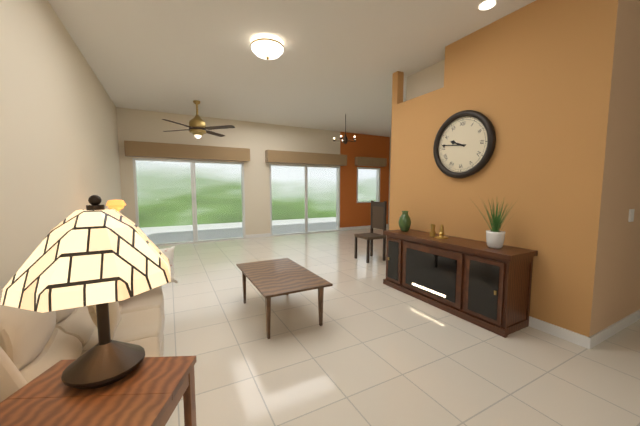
9:46
